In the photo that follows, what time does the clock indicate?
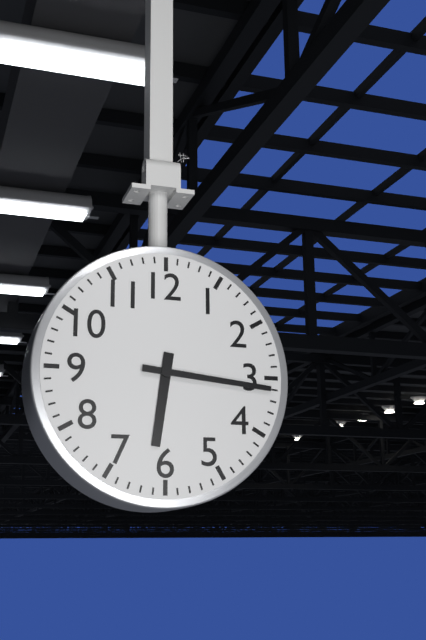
6:16
